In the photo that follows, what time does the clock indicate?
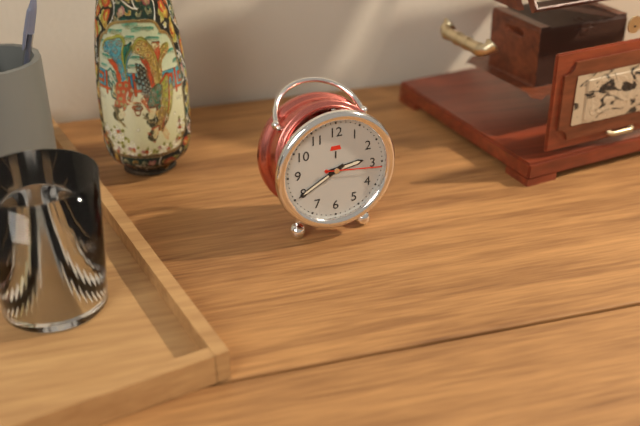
2:40:16
